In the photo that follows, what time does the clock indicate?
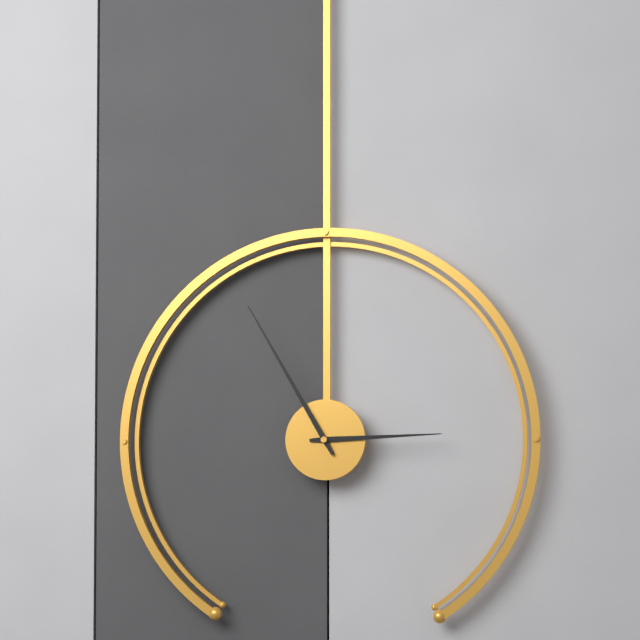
2:55
